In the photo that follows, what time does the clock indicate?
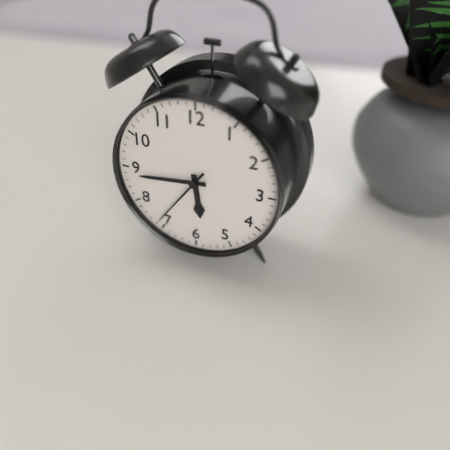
5:44:36
